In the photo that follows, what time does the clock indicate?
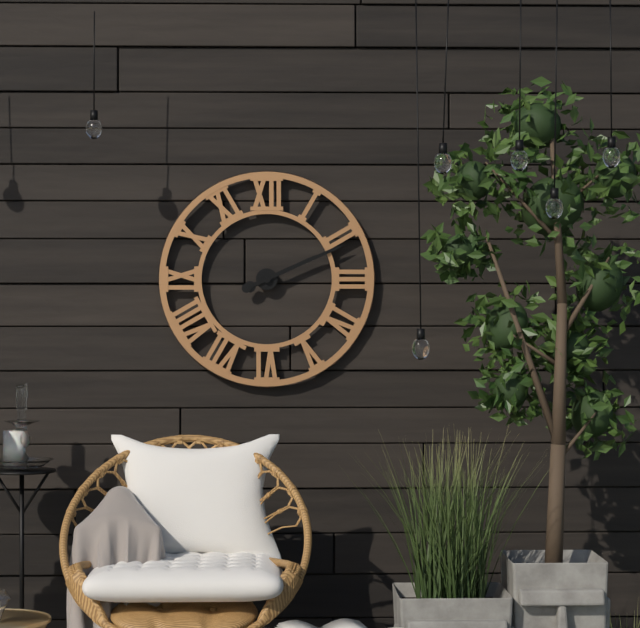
2:11
